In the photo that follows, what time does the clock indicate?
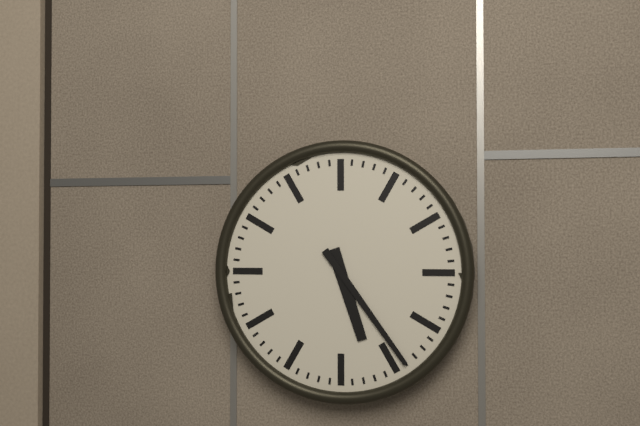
5:24
